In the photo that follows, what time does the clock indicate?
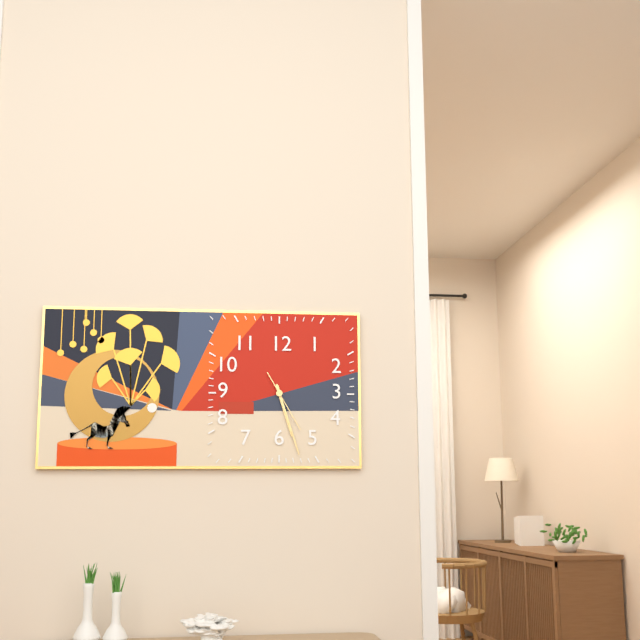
5:27:25
